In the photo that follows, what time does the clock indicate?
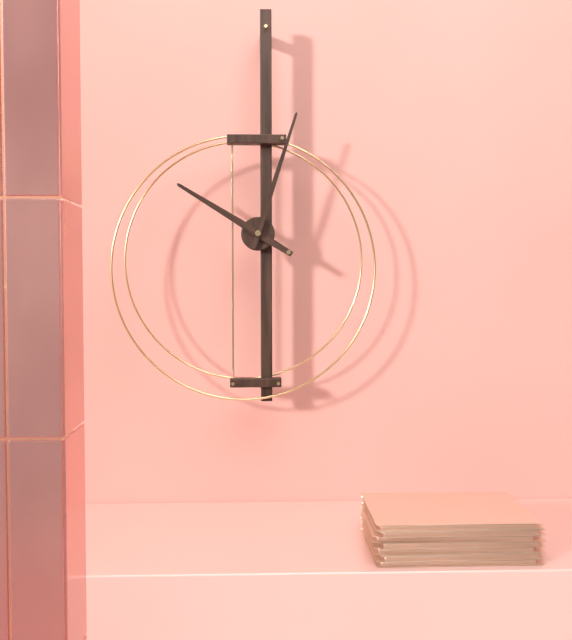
10:03
